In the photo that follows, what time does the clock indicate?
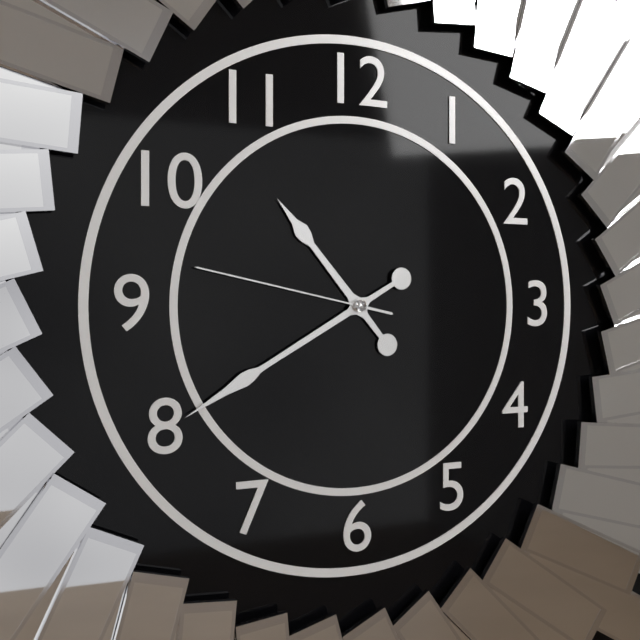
10:40:47
